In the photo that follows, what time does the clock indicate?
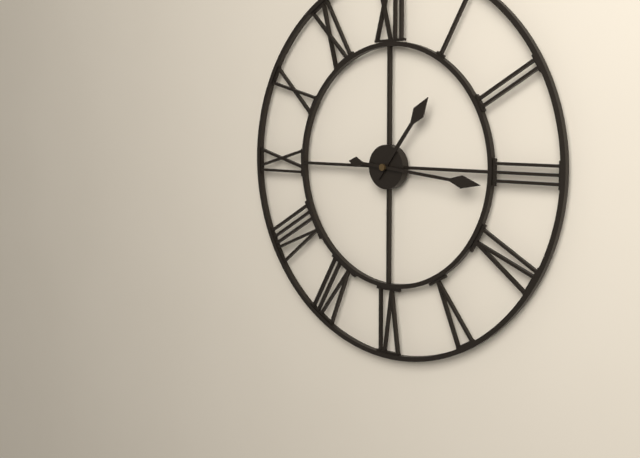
1:16
